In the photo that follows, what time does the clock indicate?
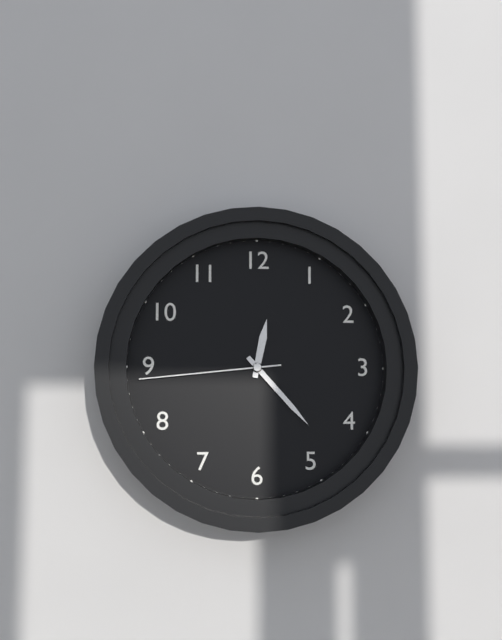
12:23:44
